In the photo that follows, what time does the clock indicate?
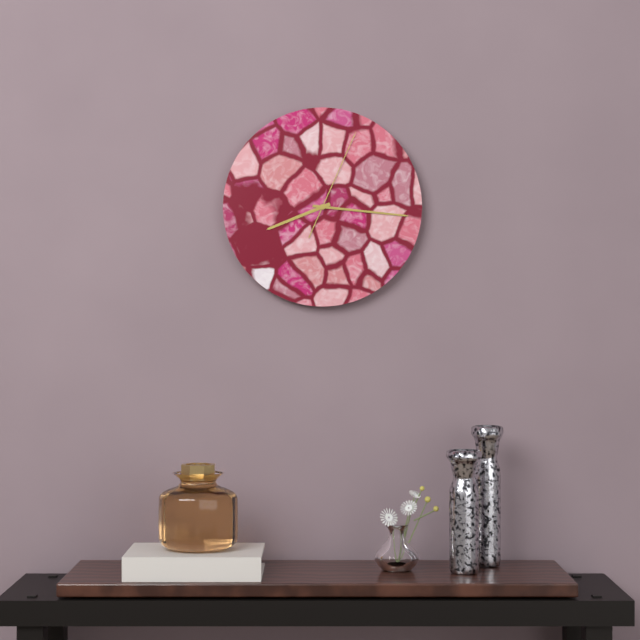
8:16:04
